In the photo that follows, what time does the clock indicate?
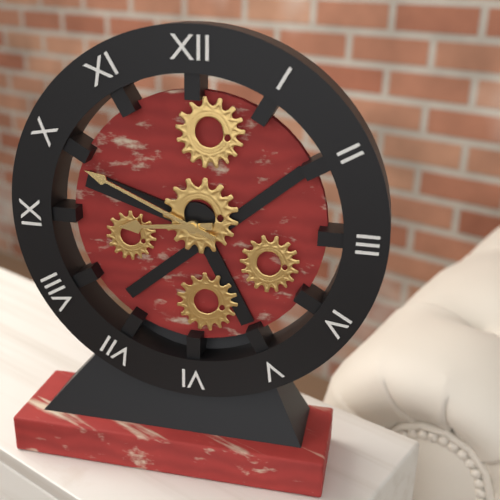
8:49
